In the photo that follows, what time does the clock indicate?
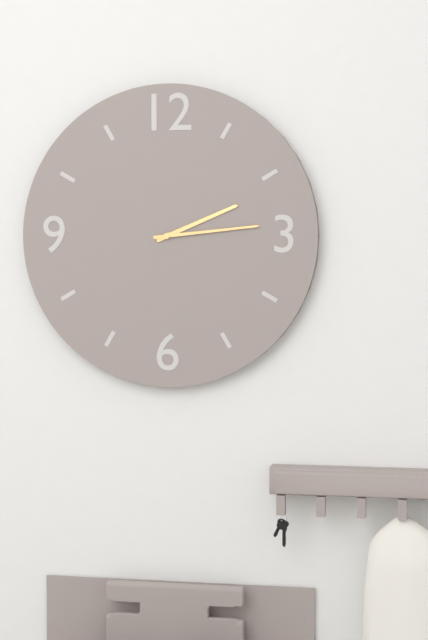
2:14
